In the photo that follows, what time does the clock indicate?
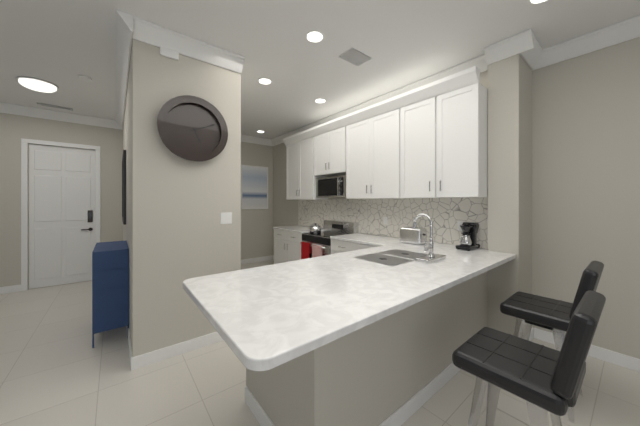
5:11
